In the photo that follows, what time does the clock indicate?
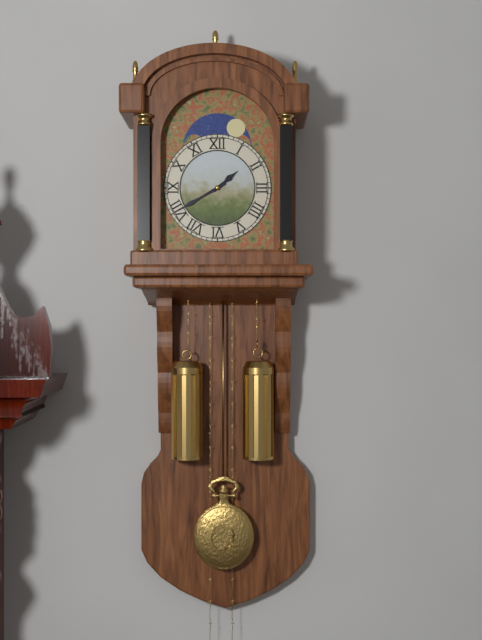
1:40
